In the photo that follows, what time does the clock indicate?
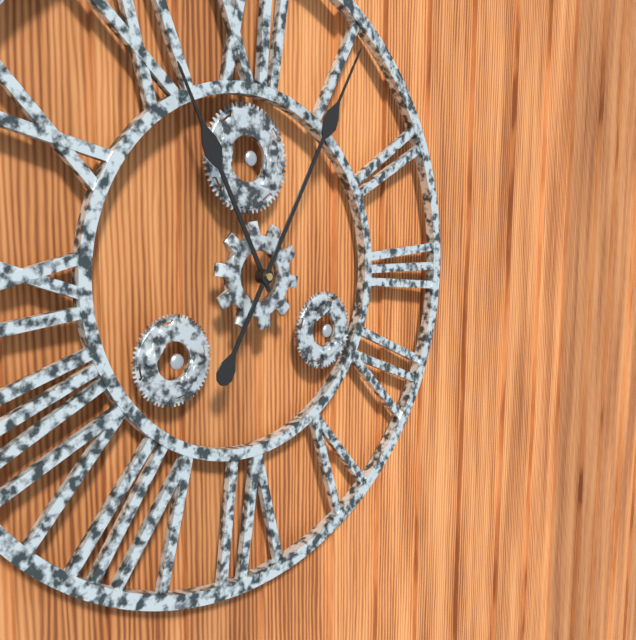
11:05
